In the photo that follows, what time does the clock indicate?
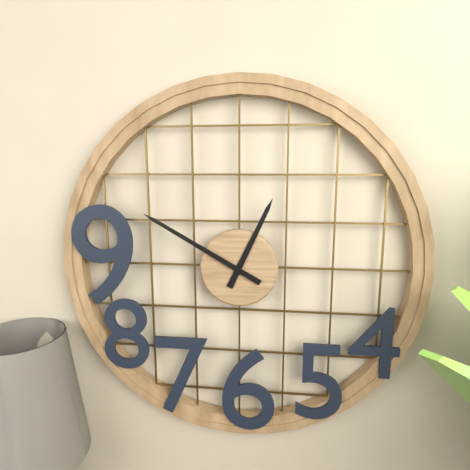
12:50
